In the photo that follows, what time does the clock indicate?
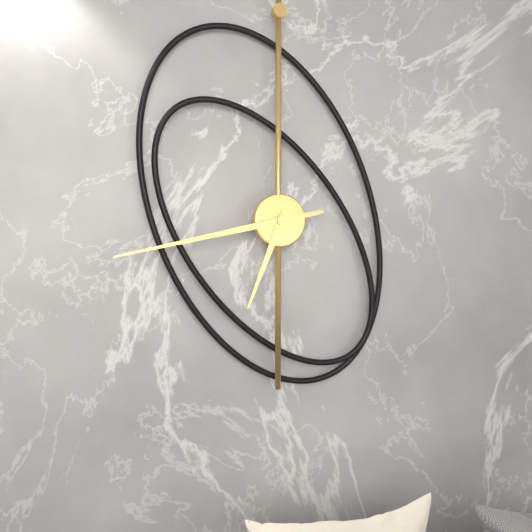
6:43
